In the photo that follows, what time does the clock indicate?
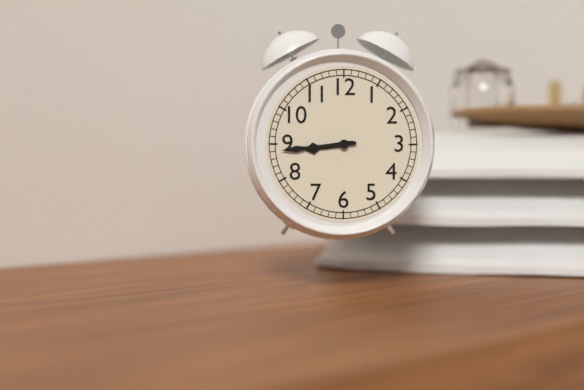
8:44
